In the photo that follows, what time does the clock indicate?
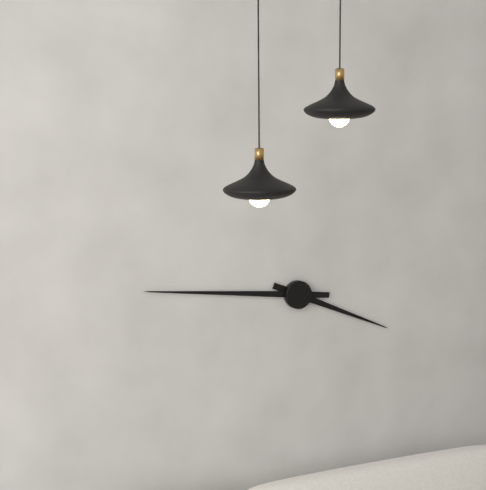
3:46
